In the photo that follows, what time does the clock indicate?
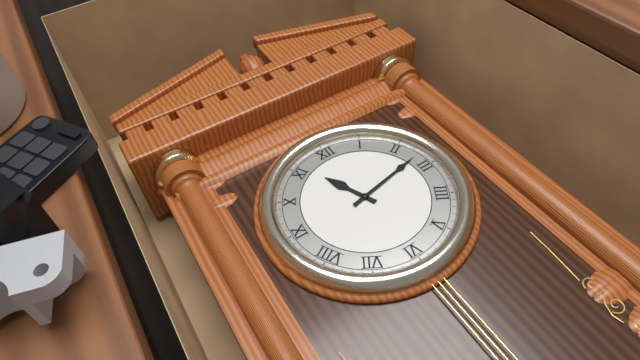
11:13
